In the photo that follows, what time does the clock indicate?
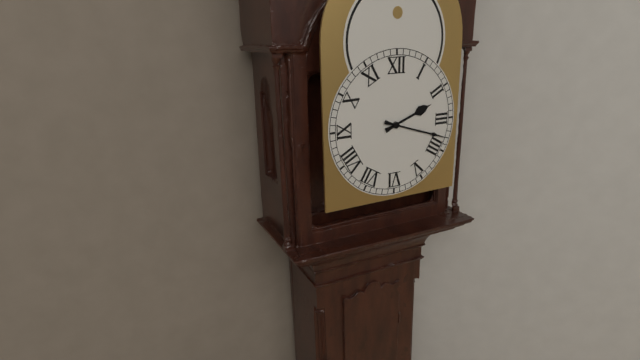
2:18
